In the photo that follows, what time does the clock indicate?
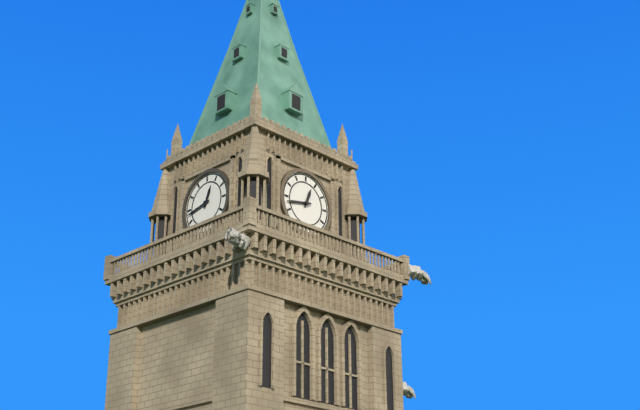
12:43
